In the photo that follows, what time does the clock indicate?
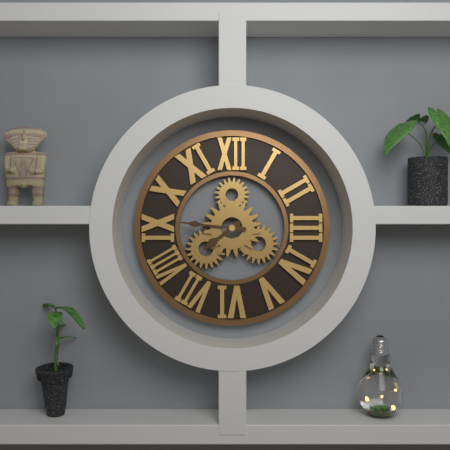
7:46
